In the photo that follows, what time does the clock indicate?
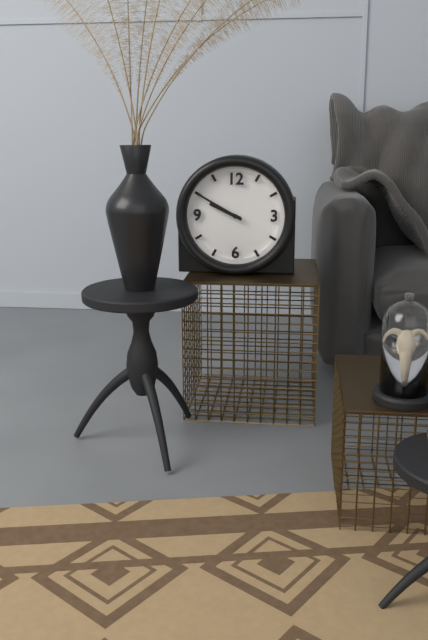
9:50
